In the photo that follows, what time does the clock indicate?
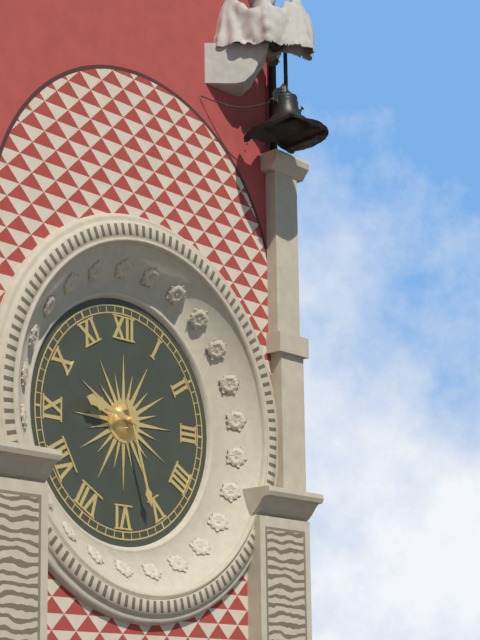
9:27
